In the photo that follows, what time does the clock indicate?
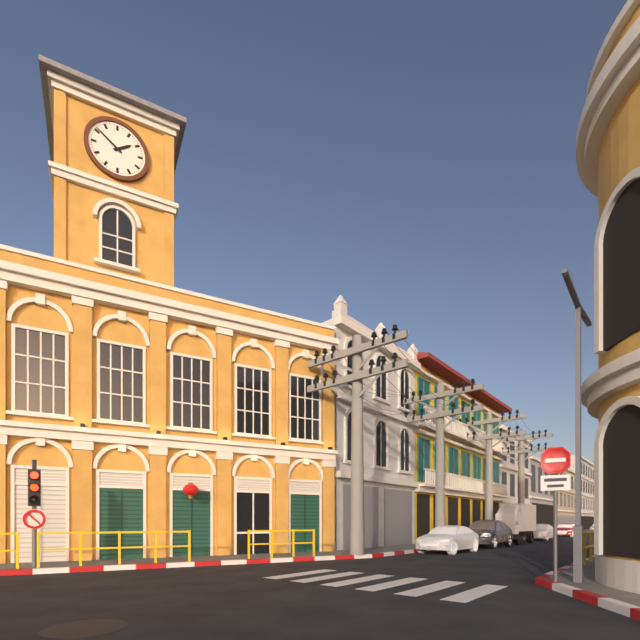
1:51
